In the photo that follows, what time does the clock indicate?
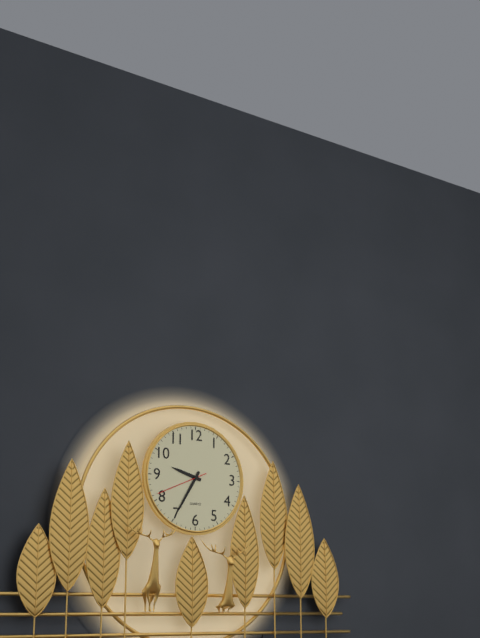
9:35:41
